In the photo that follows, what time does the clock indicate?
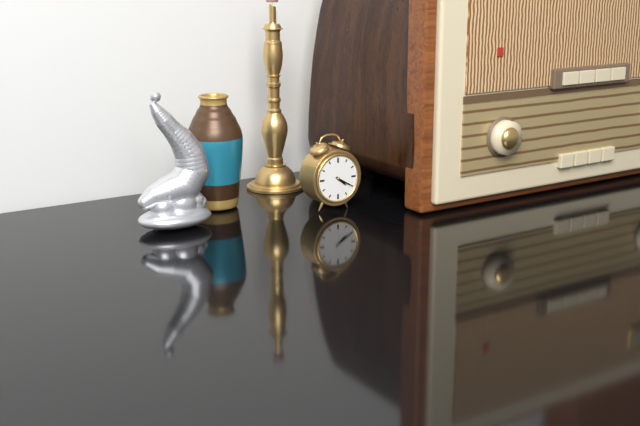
4:20
